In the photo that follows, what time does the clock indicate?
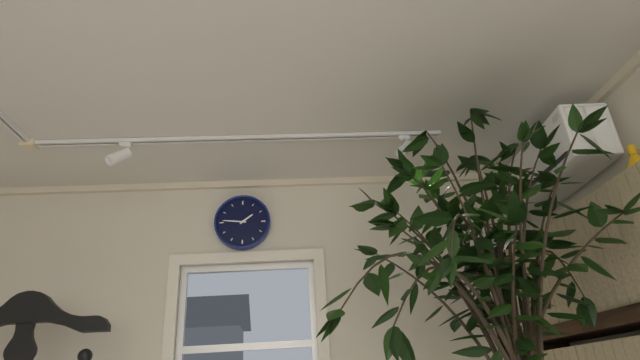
1:46
